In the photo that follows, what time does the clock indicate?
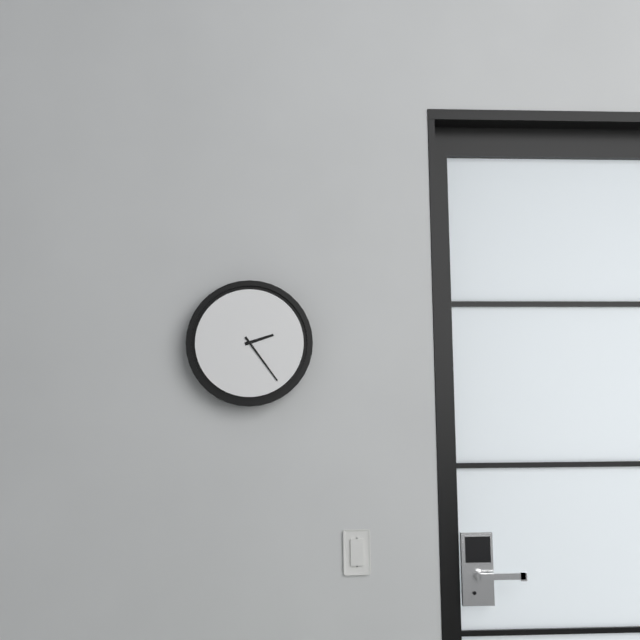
2:24
